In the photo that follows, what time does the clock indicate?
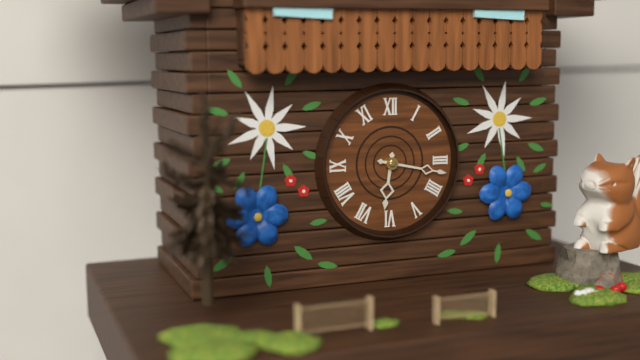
6:17
